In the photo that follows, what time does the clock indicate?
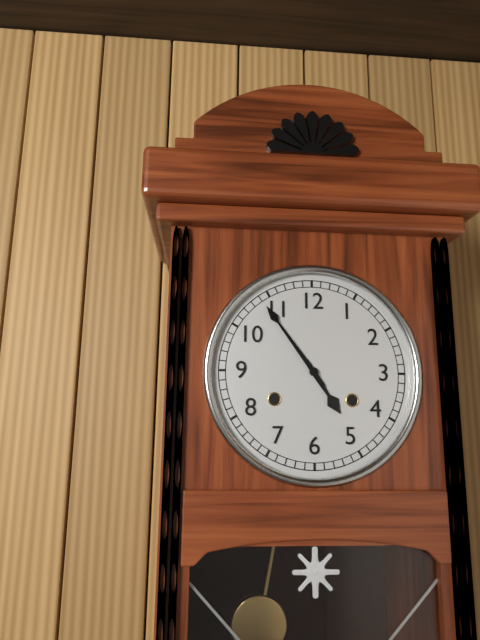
4:54
